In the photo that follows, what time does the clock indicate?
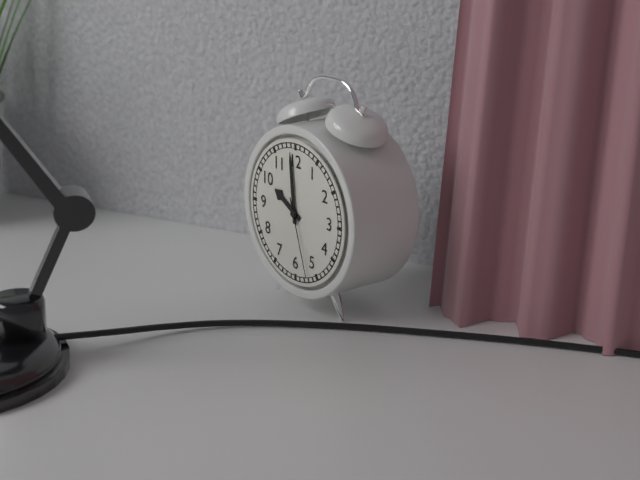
9:59:27
